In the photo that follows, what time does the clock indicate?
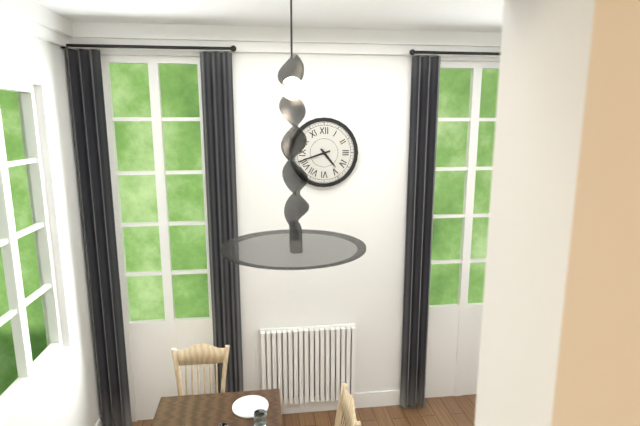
4:42
